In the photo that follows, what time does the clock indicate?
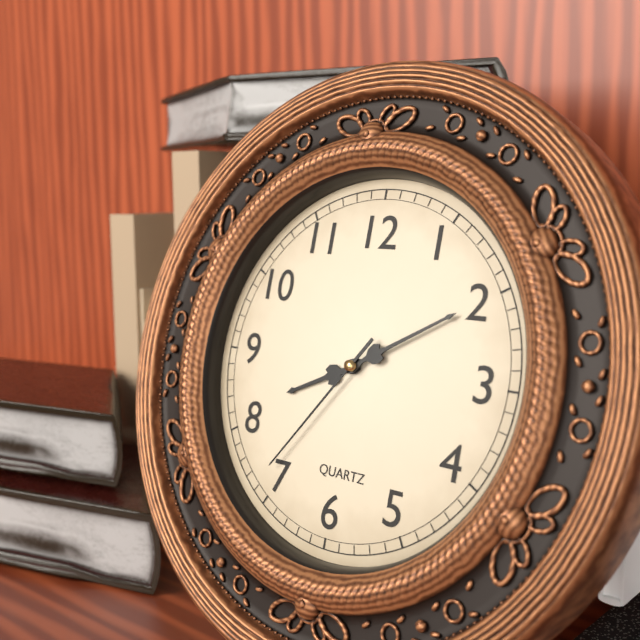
8:10:36
